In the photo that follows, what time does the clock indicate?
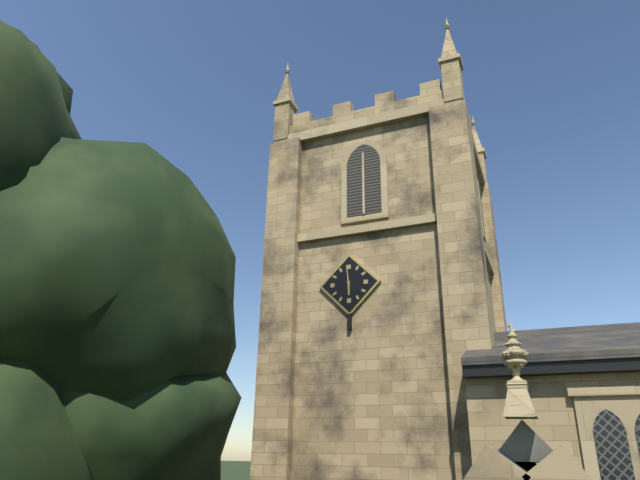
5:59
